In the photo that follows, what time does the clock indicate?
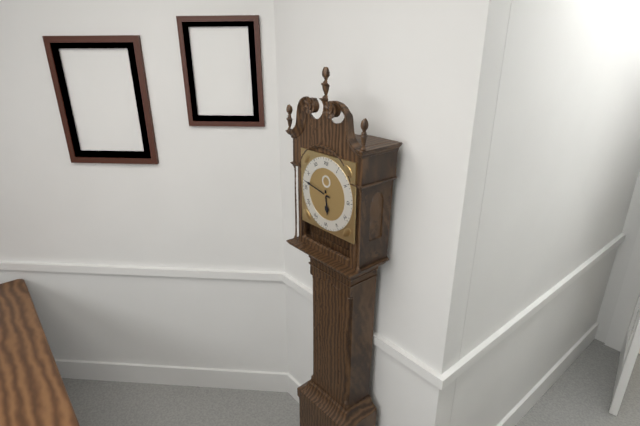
5:47
